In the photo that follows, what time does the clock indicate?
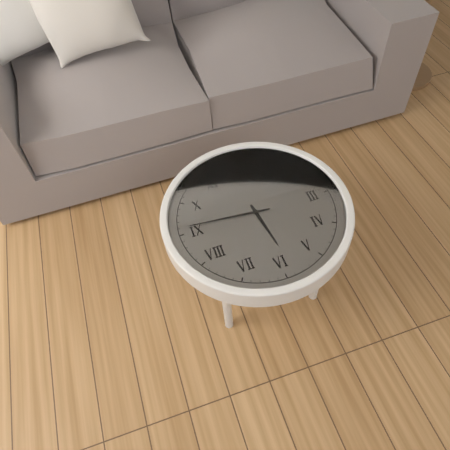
5:46
